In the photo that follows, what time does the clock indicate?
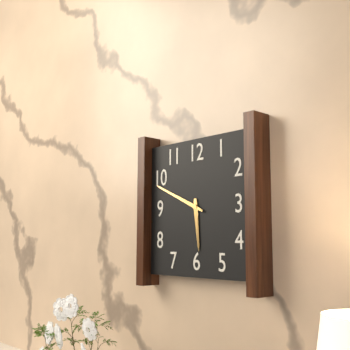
5:49
